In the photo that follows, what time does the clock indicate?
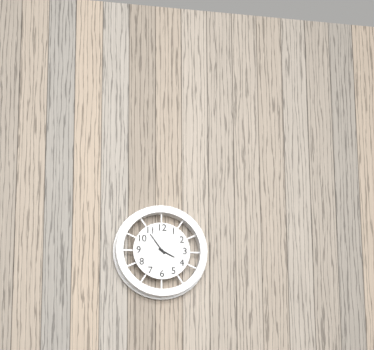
3:54
